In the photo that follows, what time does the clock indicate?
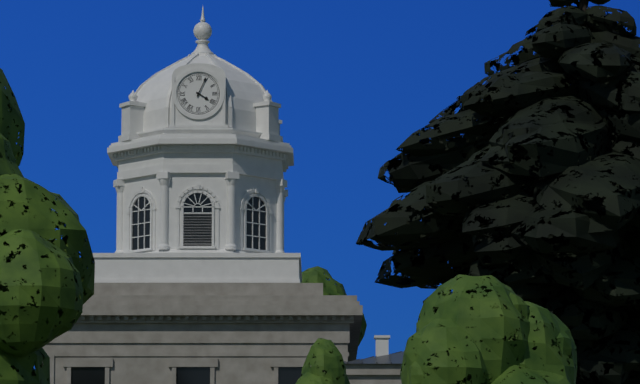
4:04
